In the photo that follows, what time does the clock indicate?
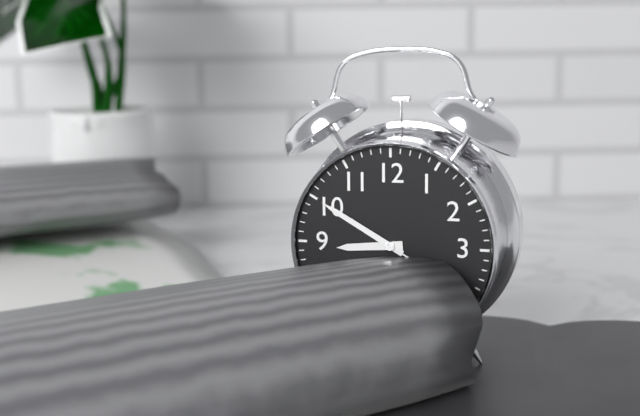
8:50:50
